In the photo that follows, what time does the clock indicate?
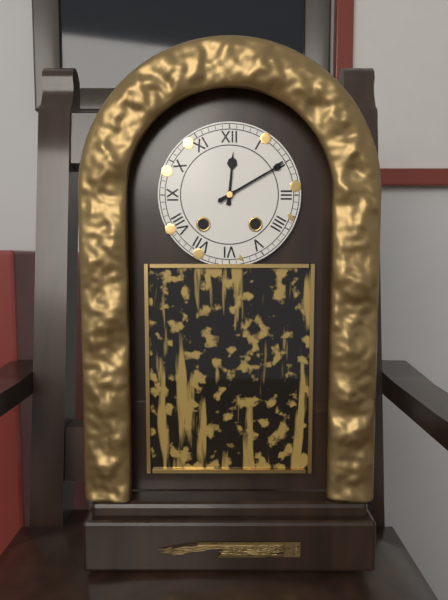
12:10
